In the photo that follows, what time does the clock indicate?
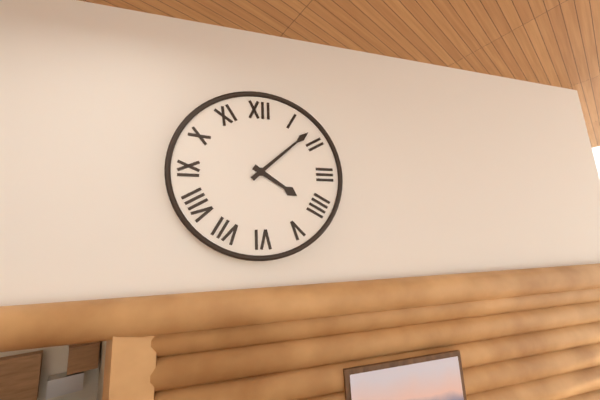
4:08
